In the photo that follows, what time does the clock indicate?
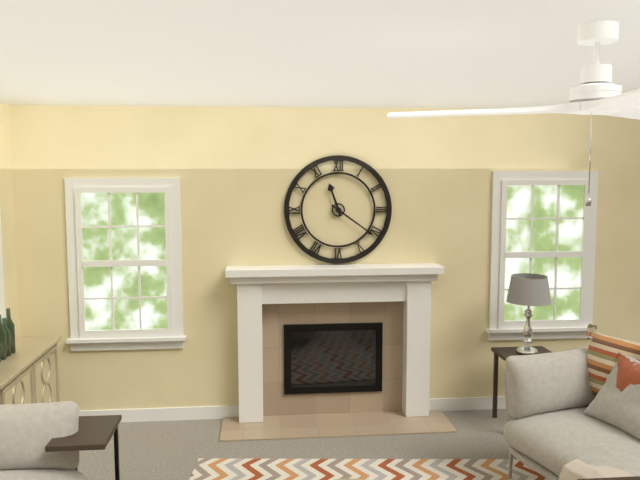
11:21
